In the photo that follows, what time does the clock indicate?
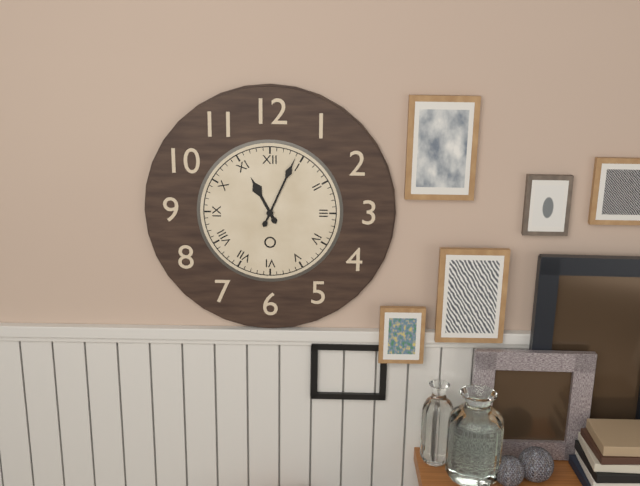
11:04
